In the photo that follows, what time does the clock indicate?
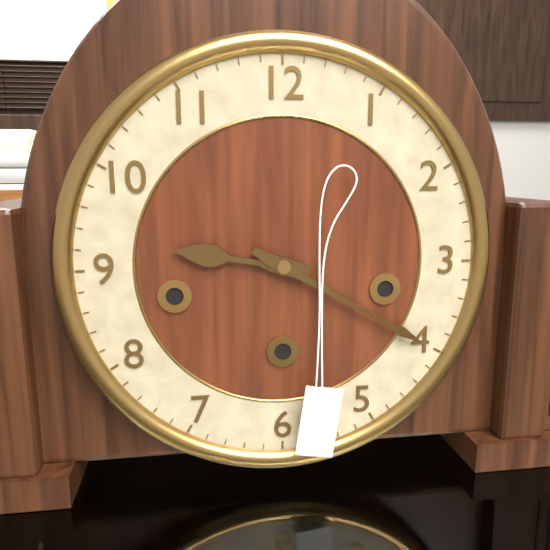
9:20
